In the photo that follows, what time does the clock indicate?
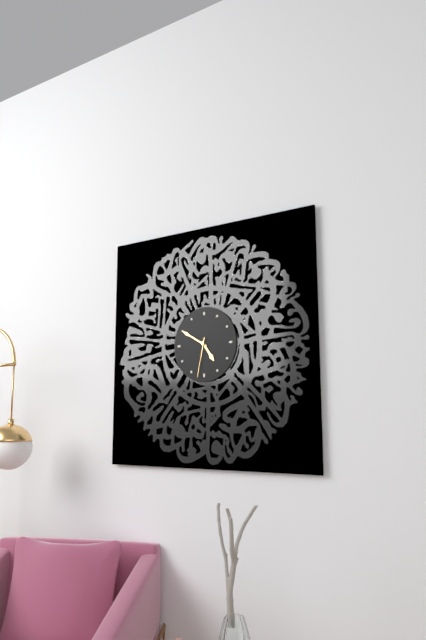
4:50
